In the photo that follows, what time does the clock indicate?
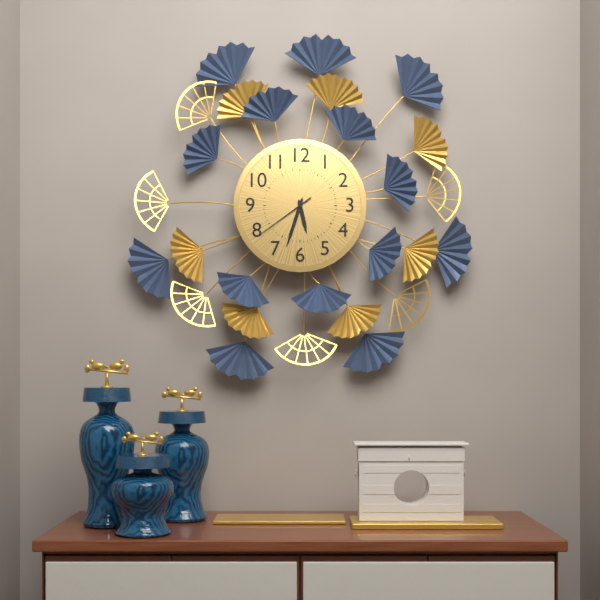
5:33:39
